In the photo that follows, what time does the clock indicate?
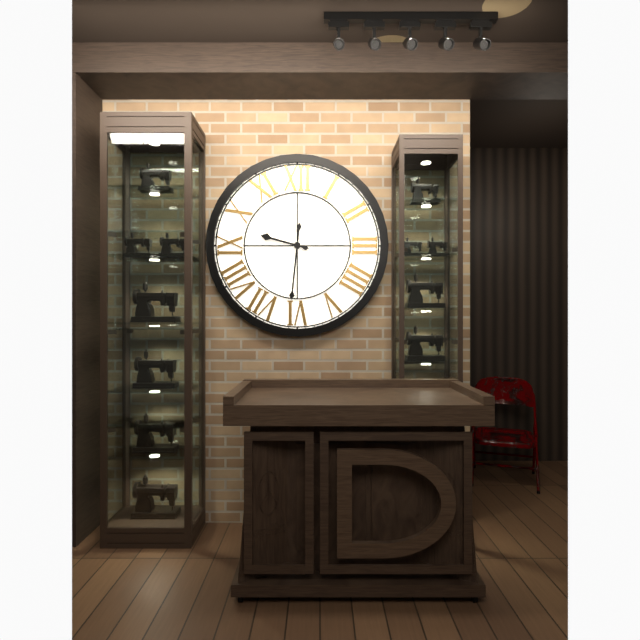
9:31
